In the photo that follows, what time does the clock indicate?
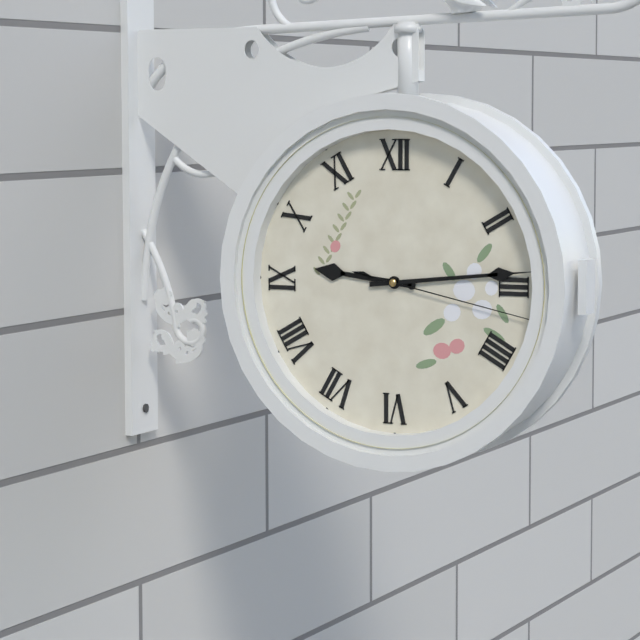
9:14:17
